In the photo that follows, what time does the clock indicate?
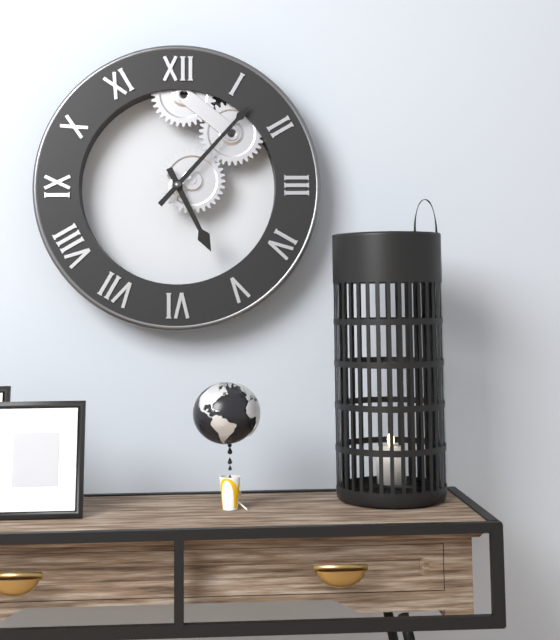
5:07
